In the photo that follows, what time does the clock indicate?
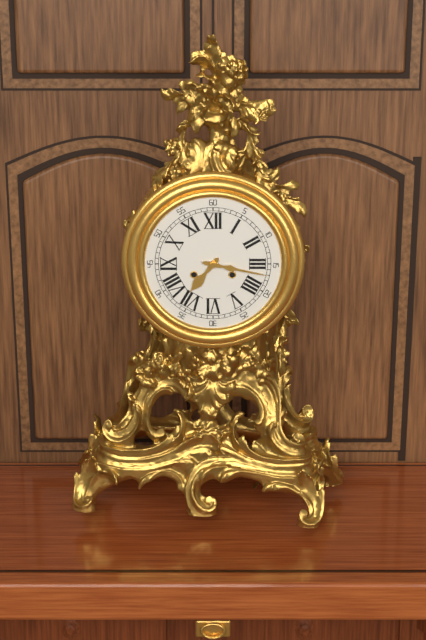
7:17
